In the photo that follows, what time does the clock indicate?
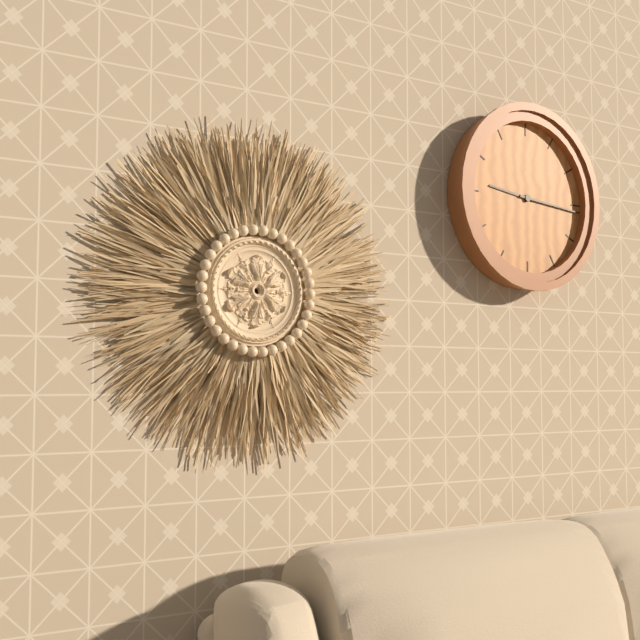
9:16
